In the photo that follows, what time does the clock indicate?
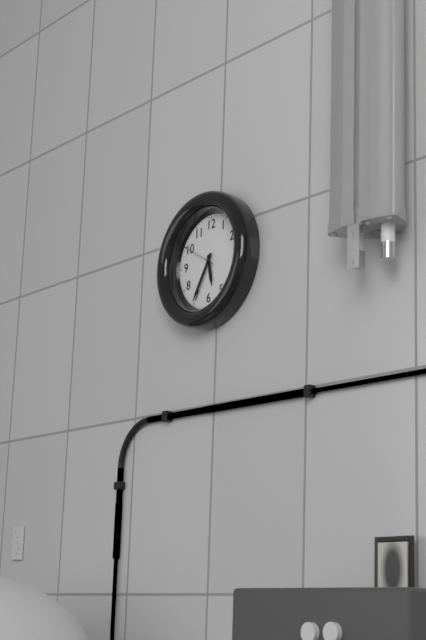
5:35
